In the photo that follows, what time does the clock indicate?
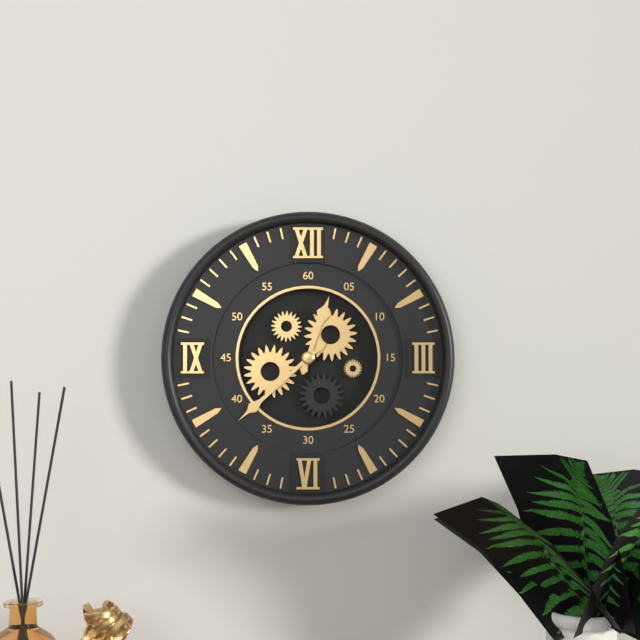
12:38
